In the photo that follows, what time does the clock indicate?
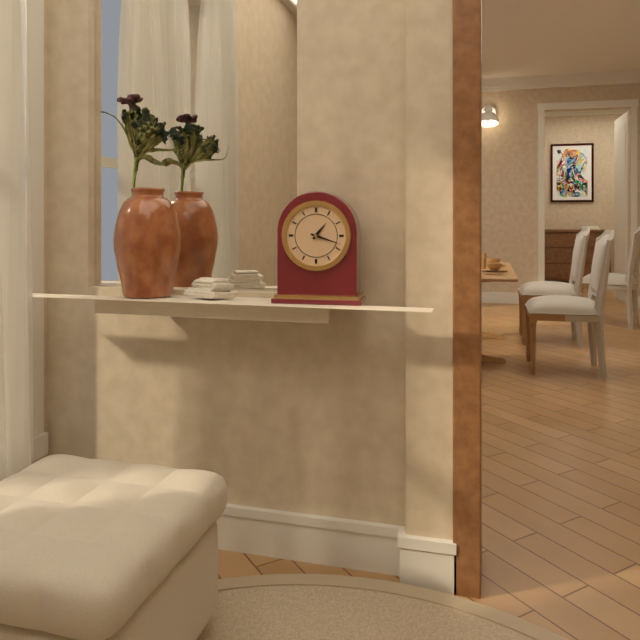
1:18
